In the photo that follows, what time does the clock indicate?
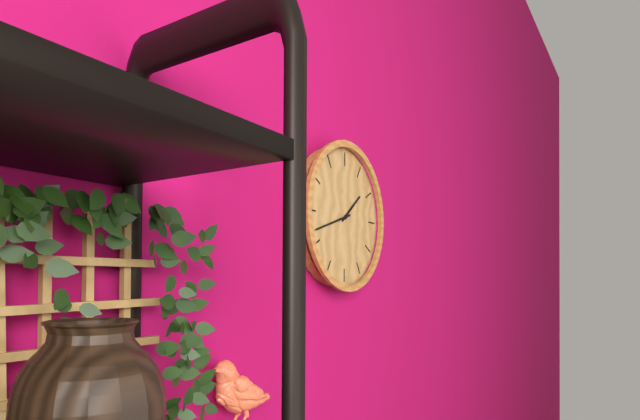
1:42
